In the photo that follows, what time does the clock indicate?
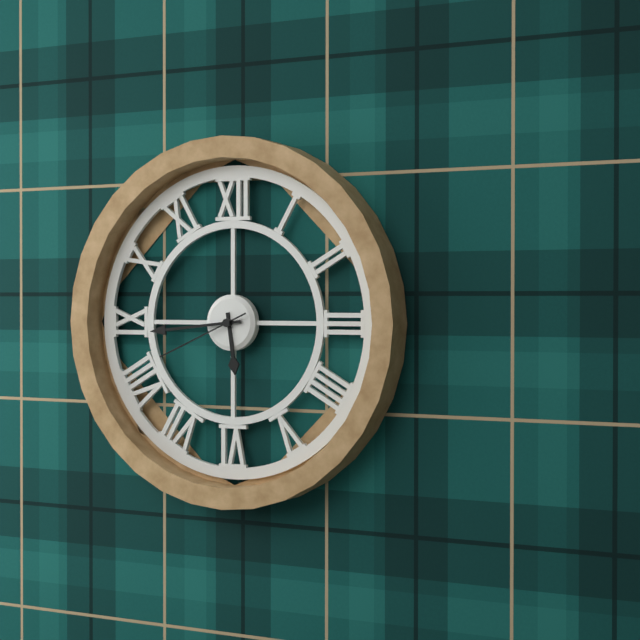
5:44:41
